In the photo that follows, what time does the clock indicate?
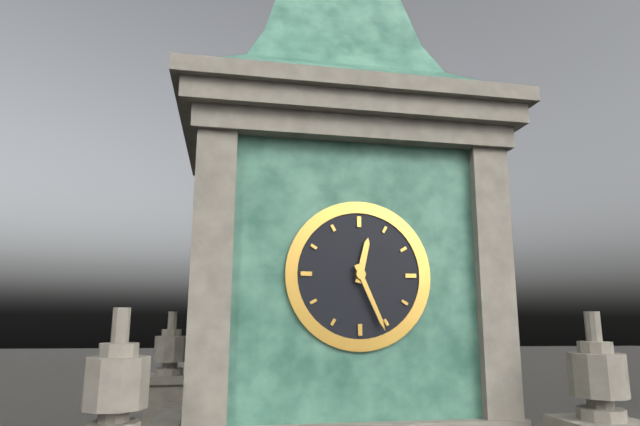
12:26
